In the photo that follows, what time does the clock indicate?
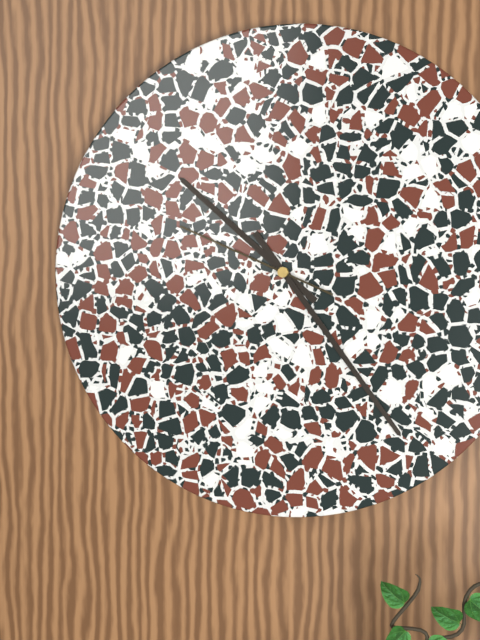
10:24:49
